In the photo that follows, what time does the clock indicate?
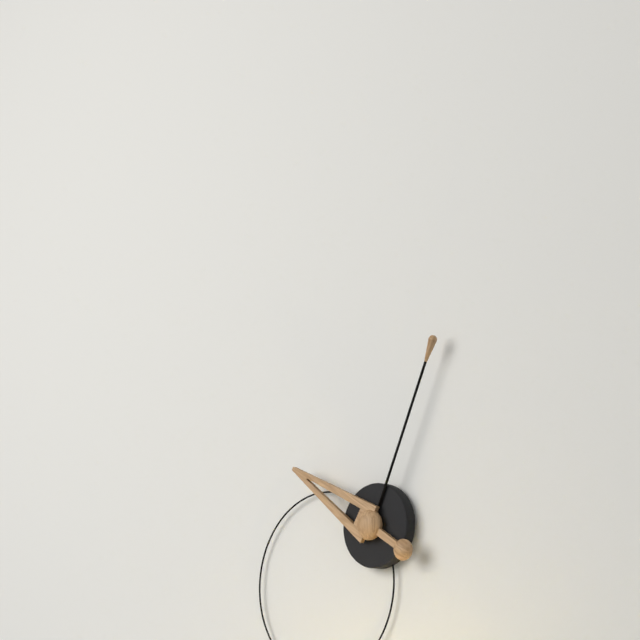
10:04
